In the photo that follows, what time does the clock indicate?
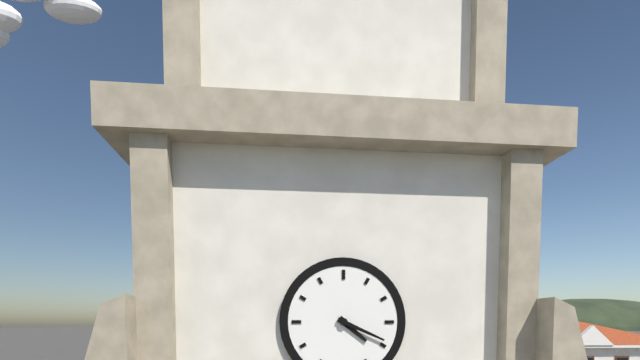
4:19
